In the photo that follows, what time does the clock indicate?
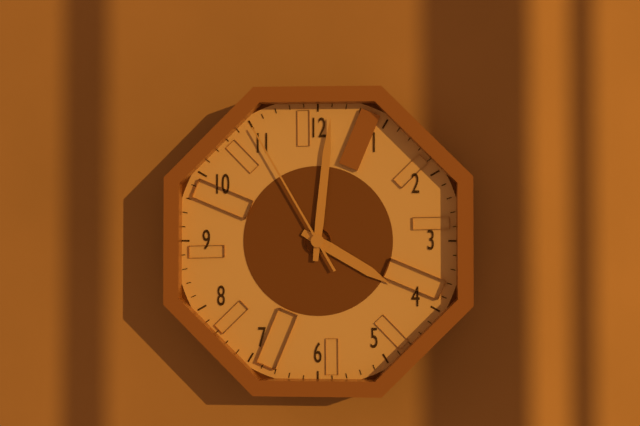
4:01:55
